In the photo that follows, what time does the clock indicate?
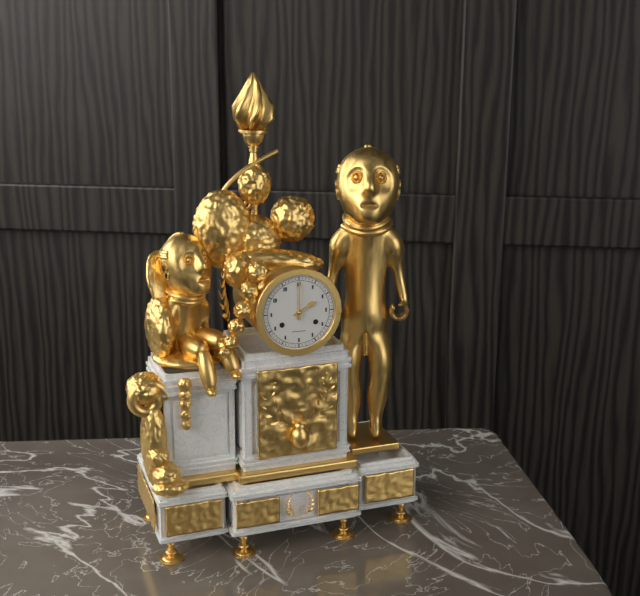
2:00
